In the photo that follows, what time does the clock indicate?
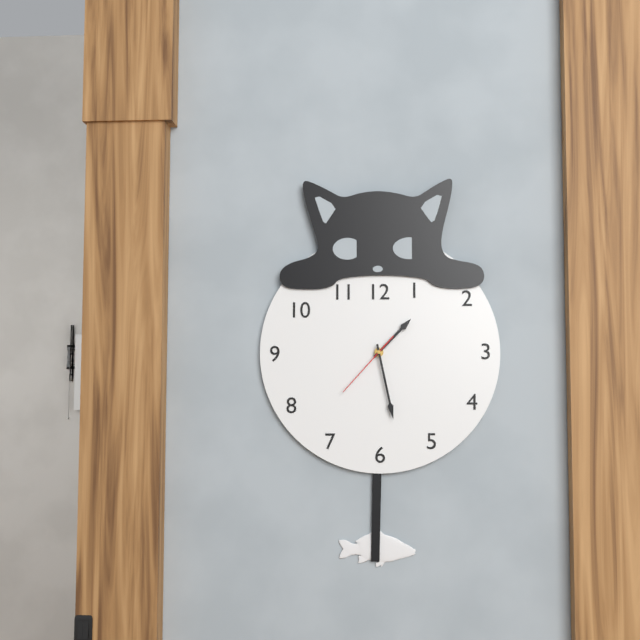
1:28:37
